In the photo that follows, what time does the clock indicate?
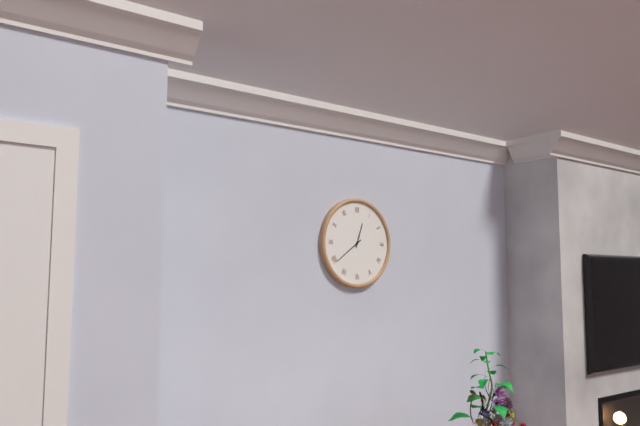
12:39
